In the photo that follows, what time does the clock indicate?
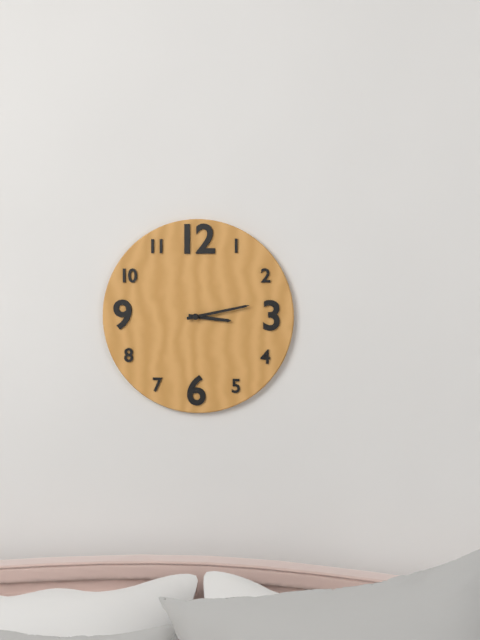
3:13
